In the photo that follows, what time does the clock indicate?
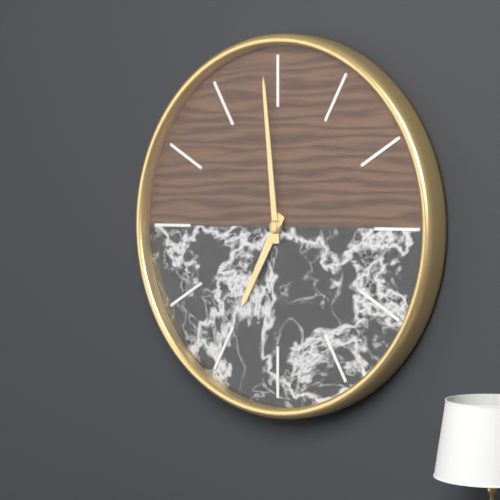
6:59
